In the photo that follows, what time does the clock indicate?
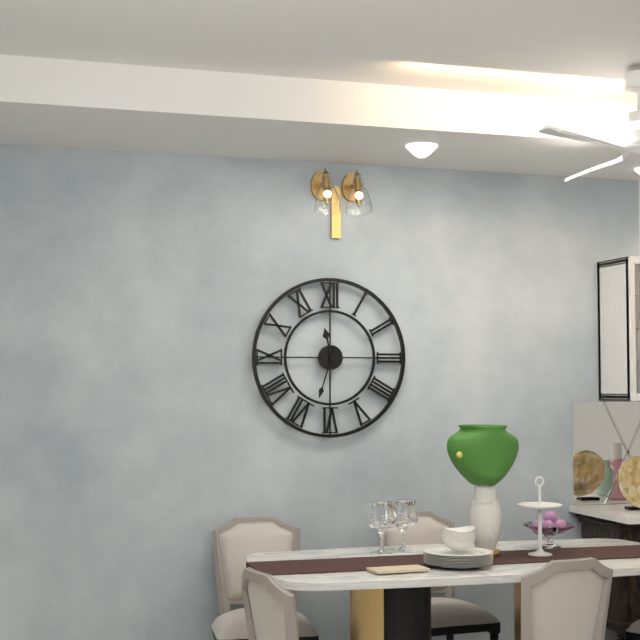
11:33
